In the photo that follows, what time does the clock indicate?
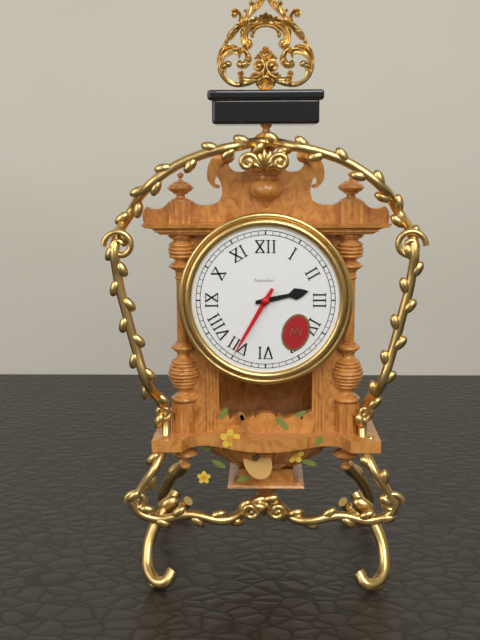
2:35
